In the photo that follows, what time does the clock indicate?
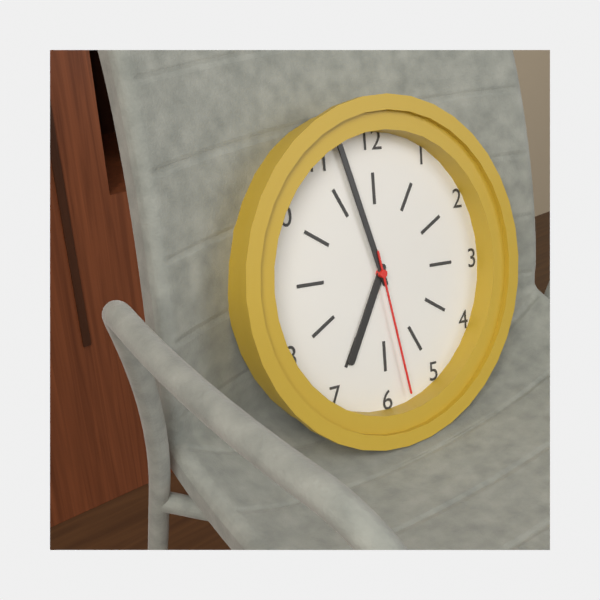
6:57:28
